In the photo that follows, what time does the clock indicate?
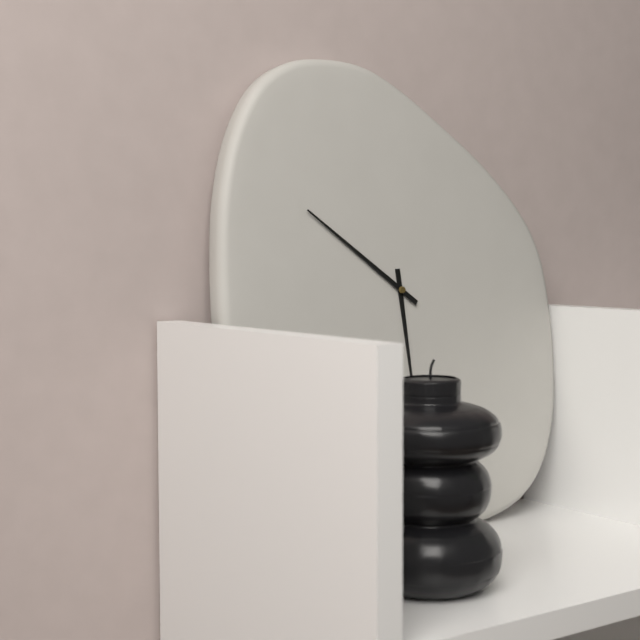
5:51
